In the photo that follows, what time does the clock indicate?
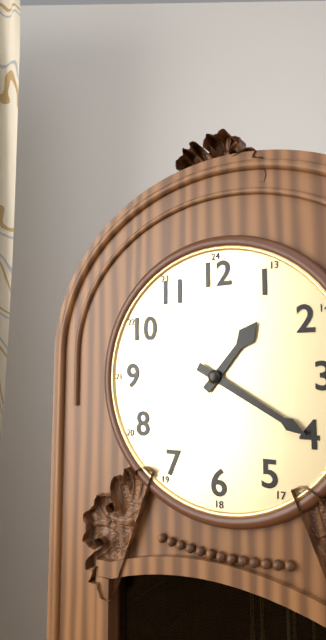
1:20
